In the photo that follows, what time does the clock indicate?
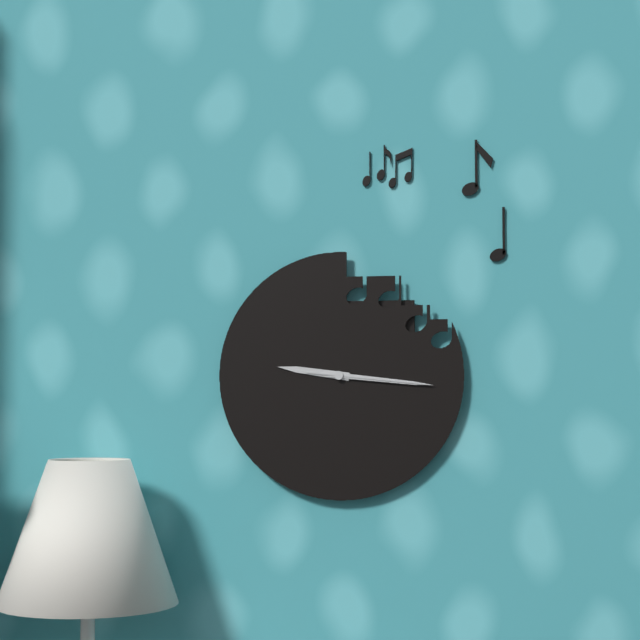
9:16:16
